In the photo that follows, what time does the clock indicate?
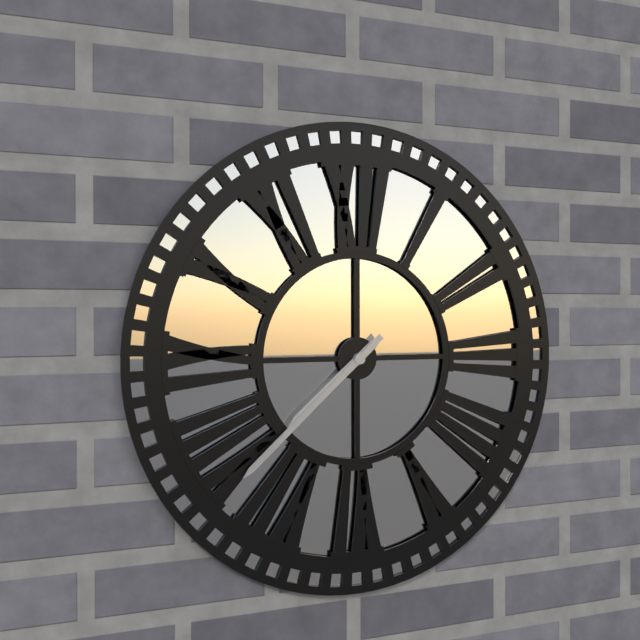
7:38
